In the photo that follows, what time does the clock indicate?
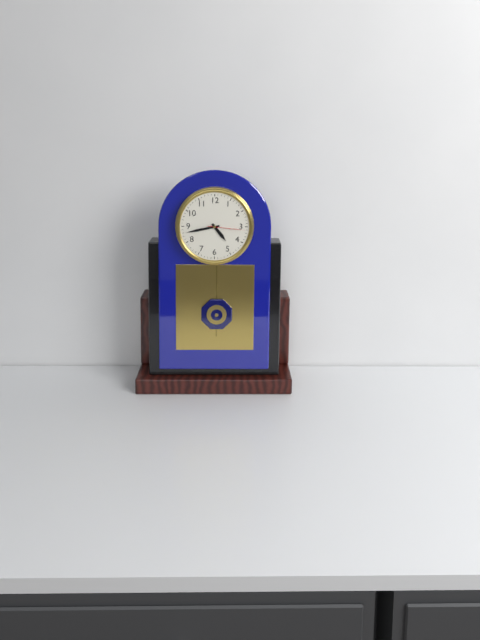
4:43
